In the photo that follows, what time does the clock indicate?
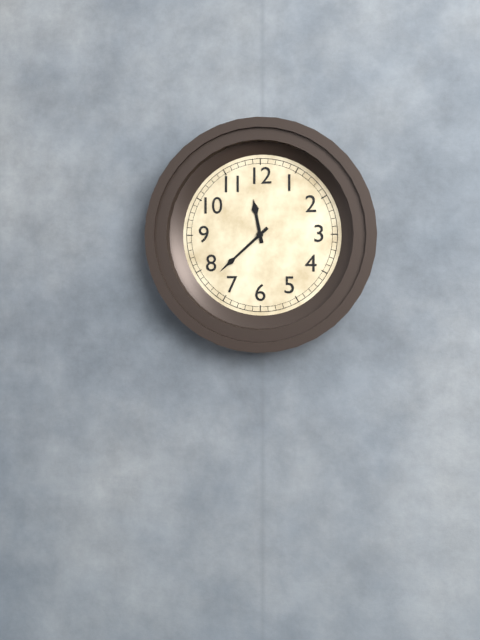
11:38
